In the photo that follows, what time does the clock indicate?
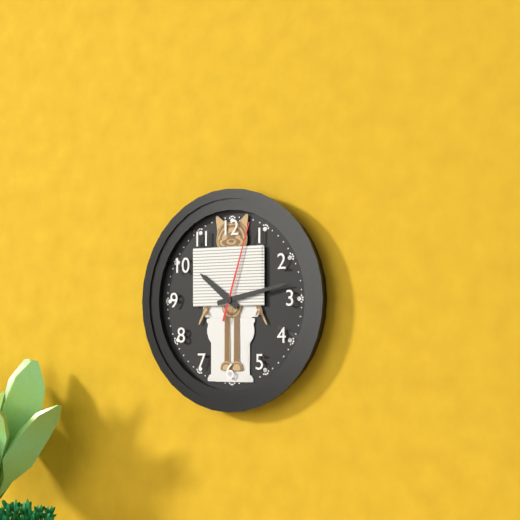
10:13:03
